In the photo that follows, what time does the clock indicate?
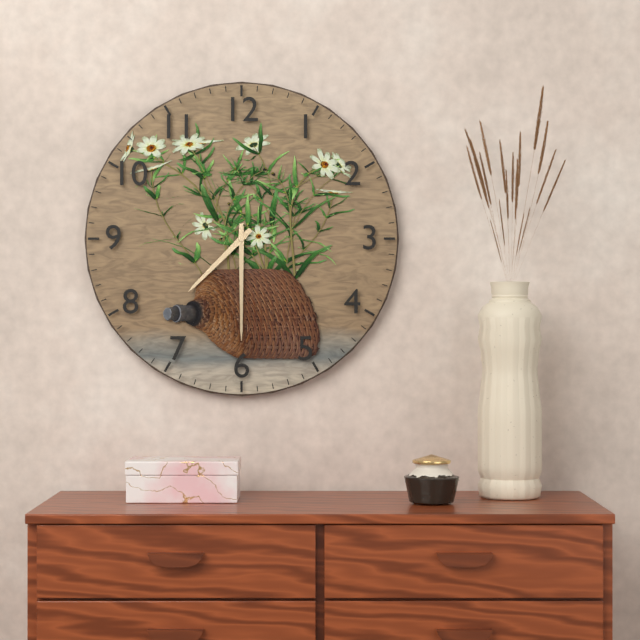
7:30
